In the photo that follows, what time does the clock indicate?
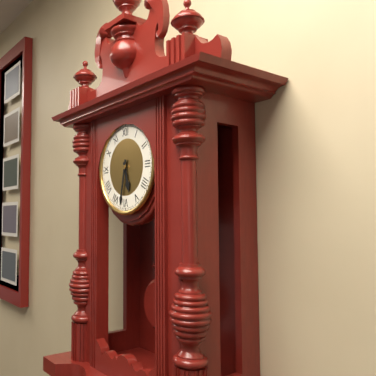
5:32
